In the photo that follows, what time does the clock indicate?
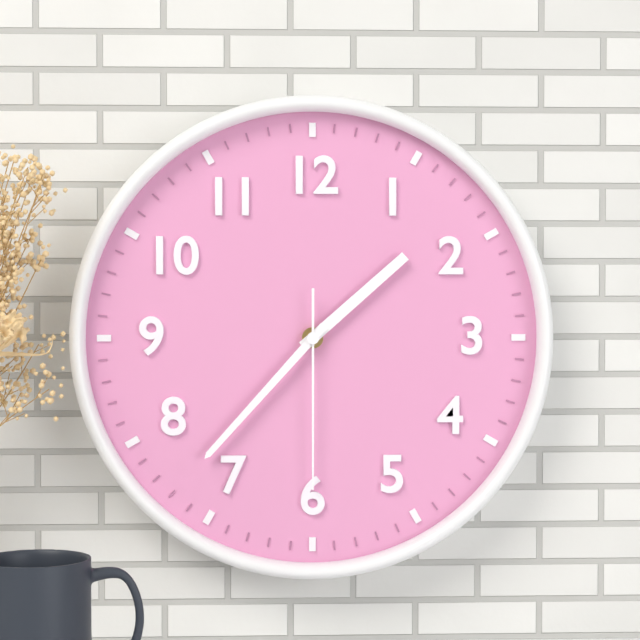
1:37:30
